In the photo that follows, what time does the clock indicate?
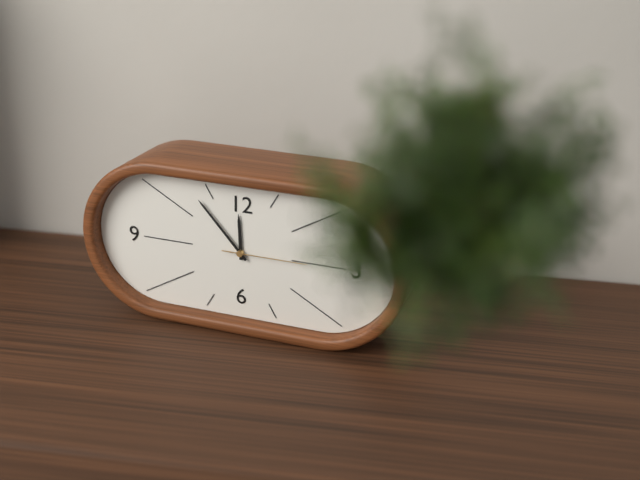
11:53:15
